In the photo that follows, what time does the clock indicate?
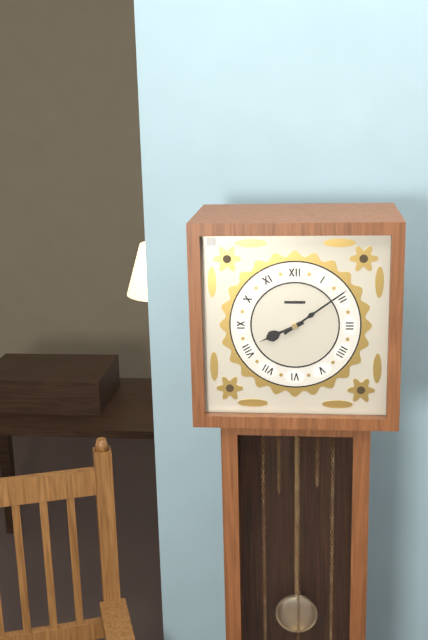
8:09
